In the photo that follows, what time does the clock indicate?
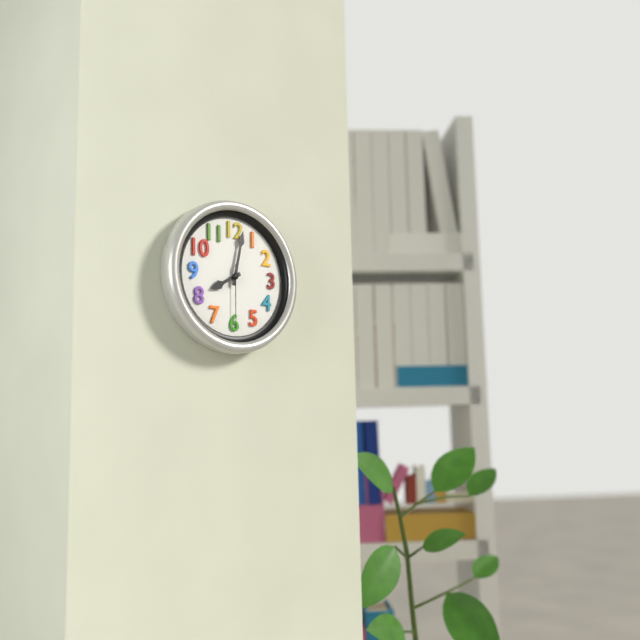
8:02:30
